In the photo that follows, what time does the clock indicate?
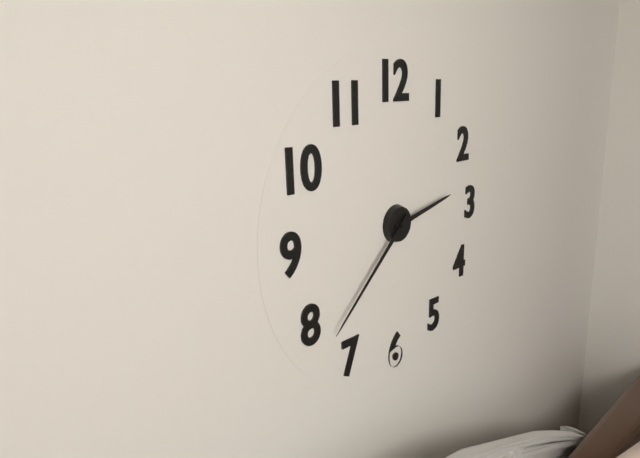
2:38
